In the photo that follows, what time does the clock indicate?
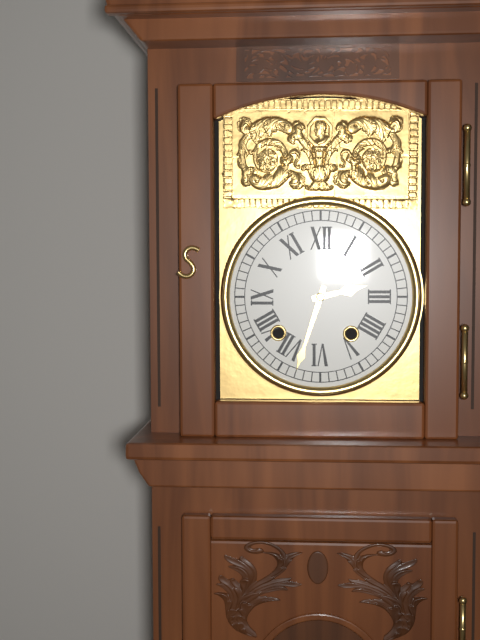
2:33
